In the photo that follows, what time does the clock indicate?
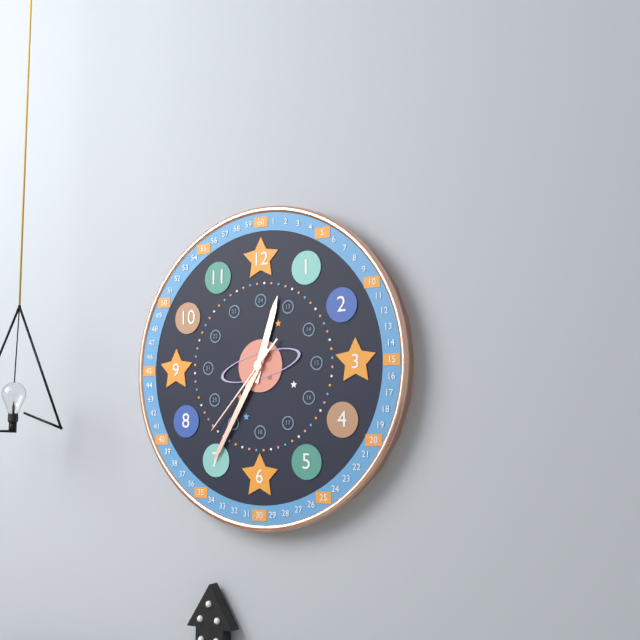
12:35:37
